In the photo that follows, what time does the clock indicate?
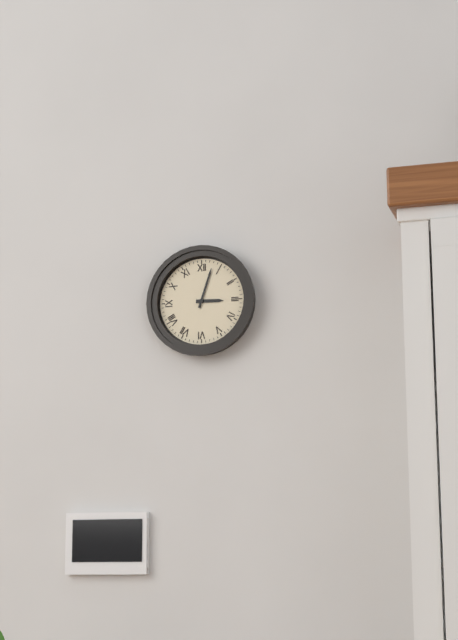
3:03
